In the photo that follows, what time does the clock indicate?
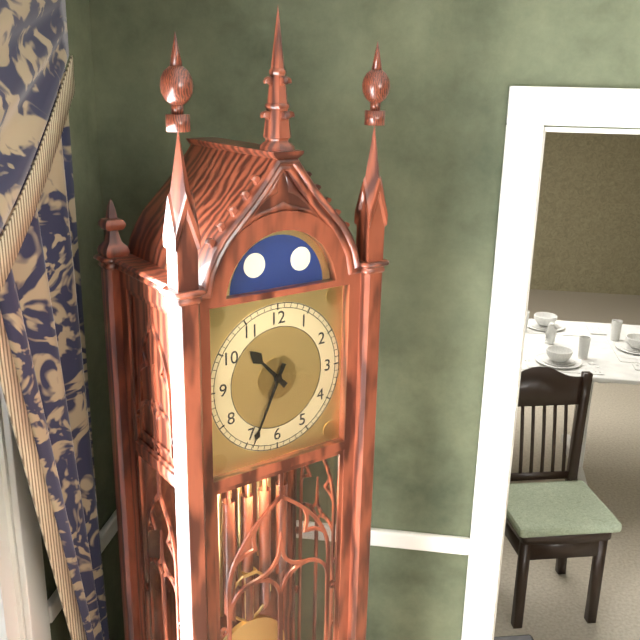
10:34
